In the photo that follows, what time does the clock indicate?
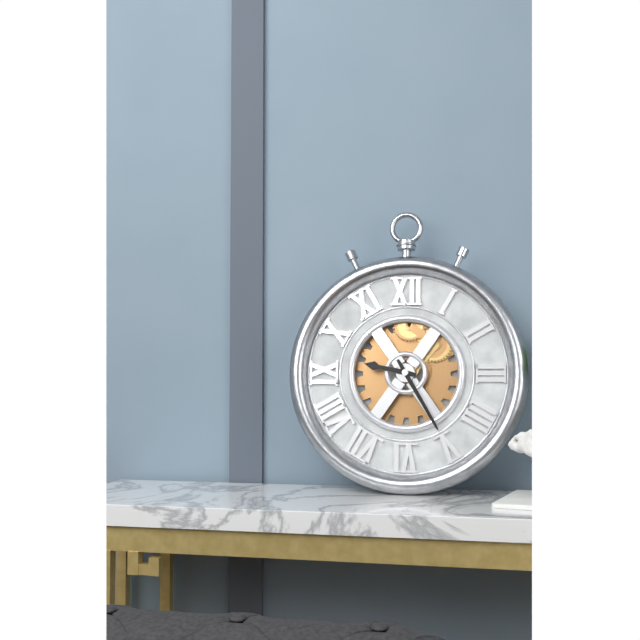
9:25
